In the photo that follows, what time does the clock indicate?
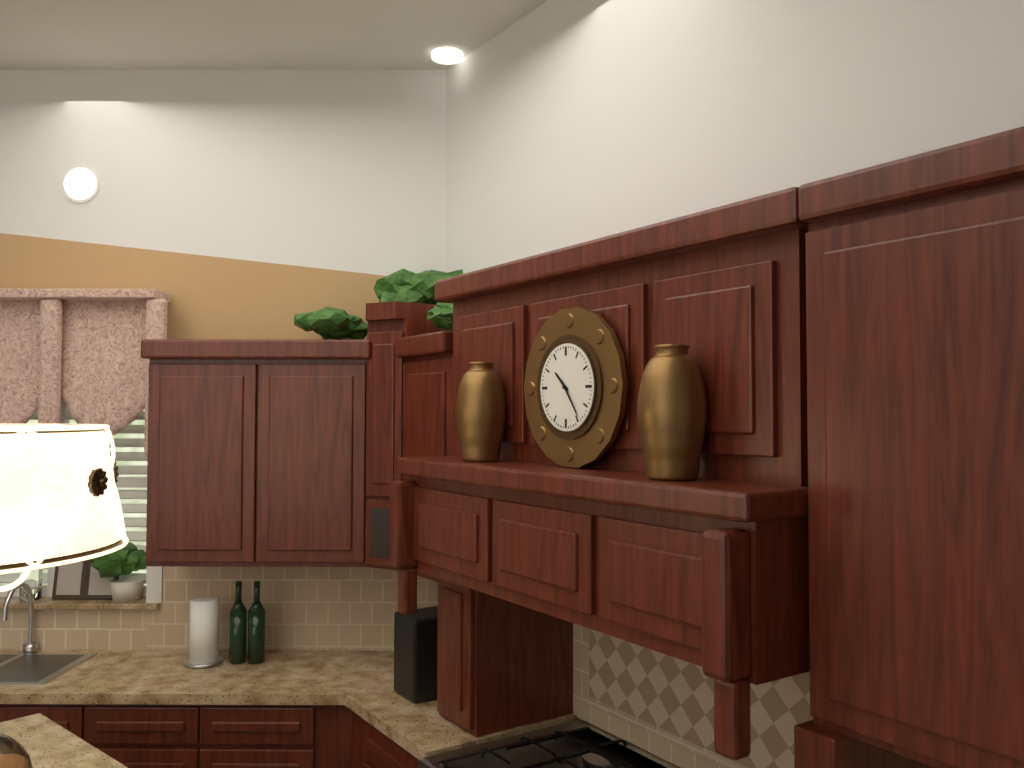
10:24
